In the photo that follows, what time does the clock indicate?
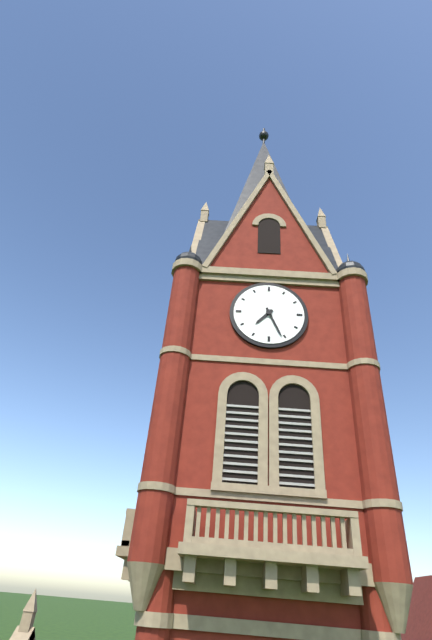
7:26
